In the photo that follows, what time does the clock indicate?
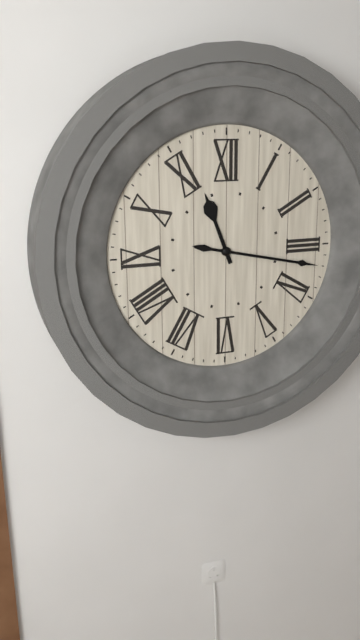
11:17
